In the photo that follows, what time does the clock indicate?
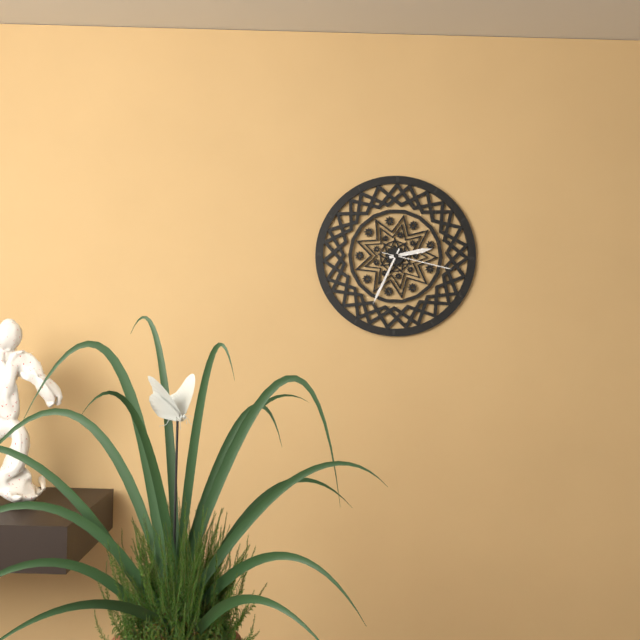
2:34:17
